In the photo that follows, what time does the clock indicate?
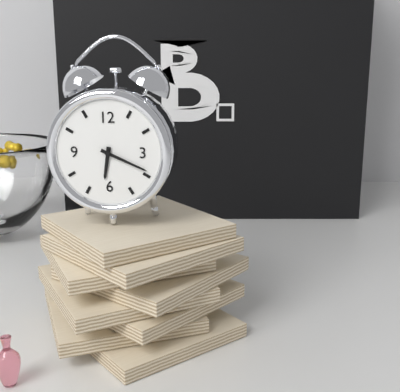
6:19
